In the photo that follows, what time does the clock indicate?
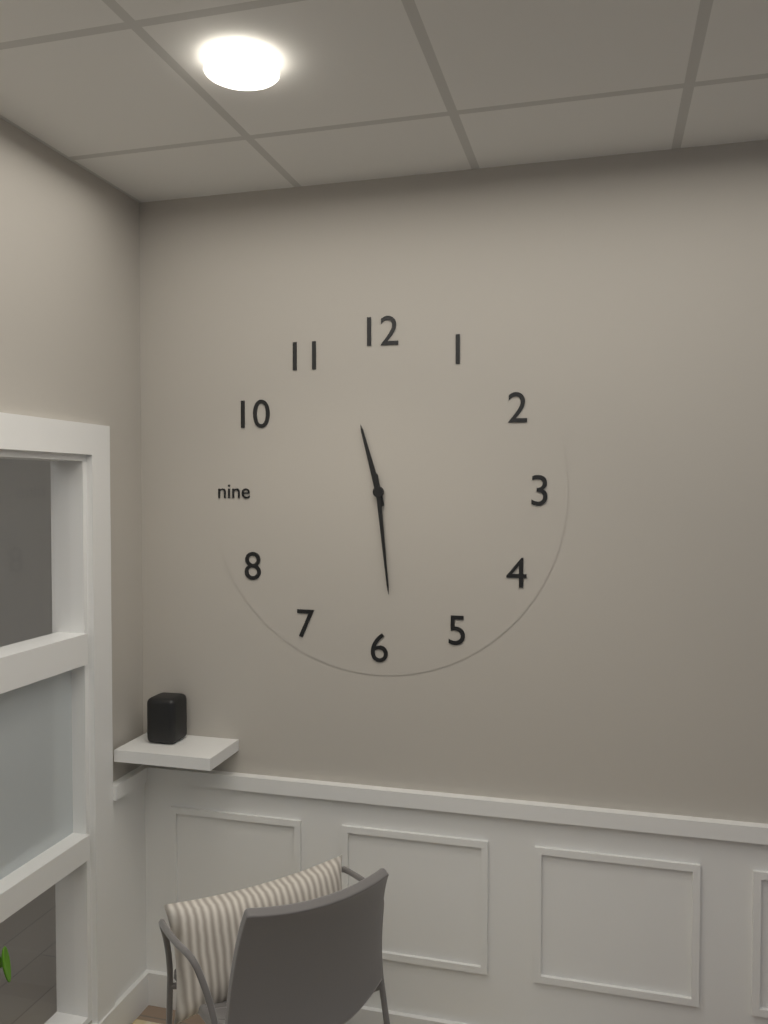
11:29
